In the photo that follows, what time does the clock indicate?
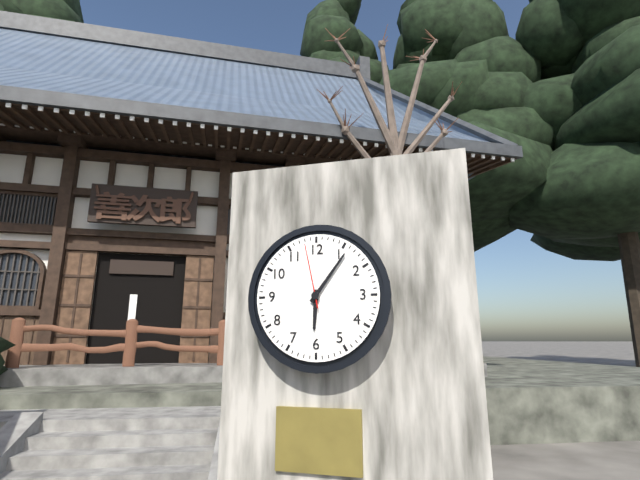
6:06:58
